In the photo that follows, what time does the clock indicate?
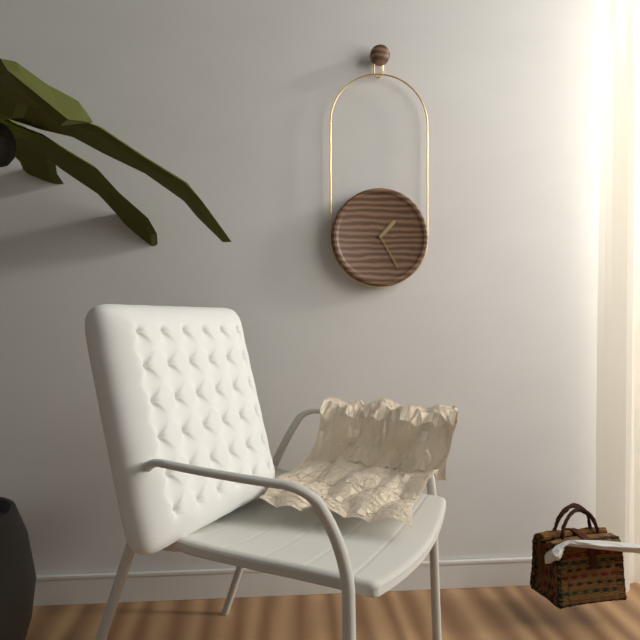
1:25
